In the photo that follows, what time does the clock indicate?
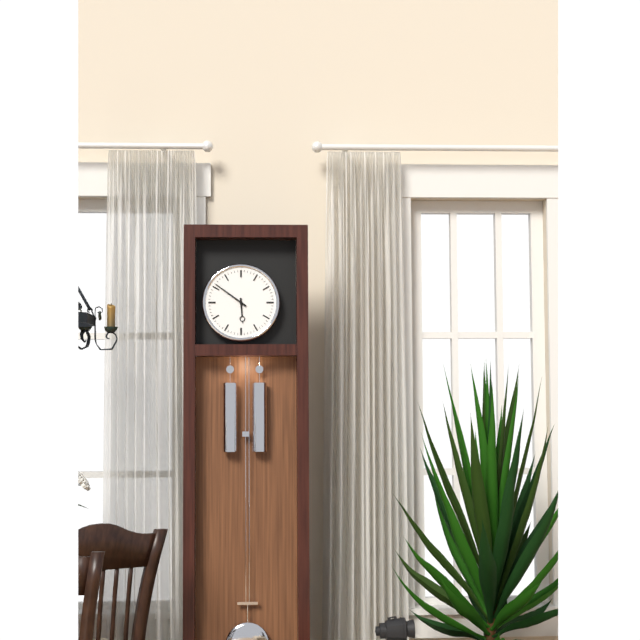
5:51
